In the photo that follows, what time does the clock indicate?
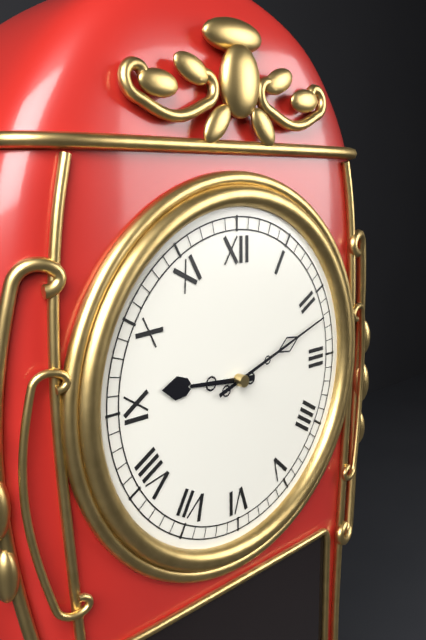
9:12
